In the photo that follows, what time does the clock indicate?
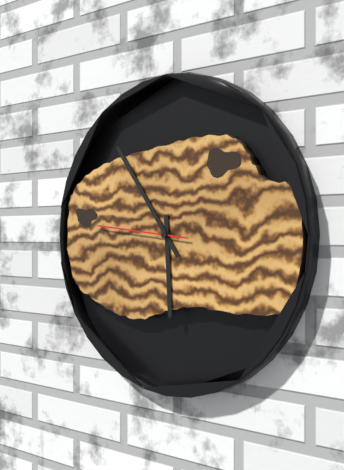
5:54:46
